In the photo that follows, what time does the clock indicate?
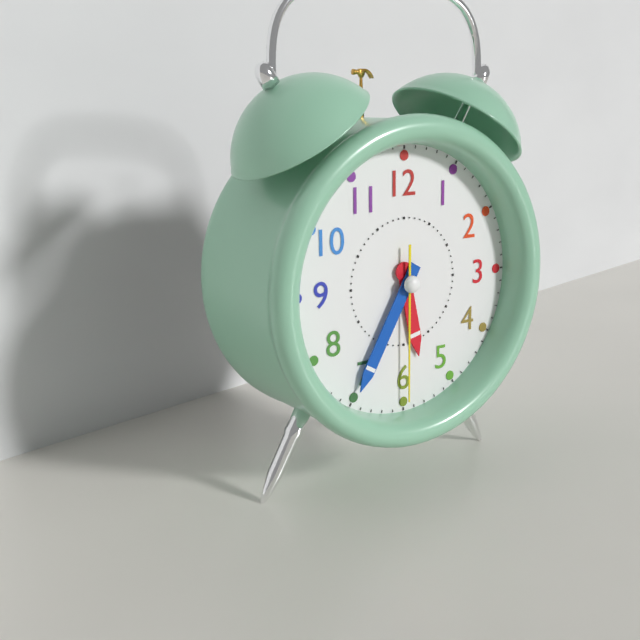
5:35:30
